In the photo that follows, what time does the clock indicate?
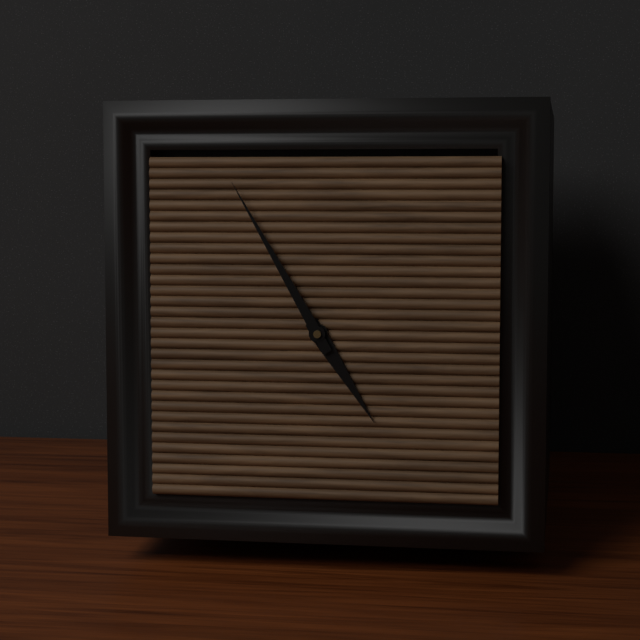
4:55
